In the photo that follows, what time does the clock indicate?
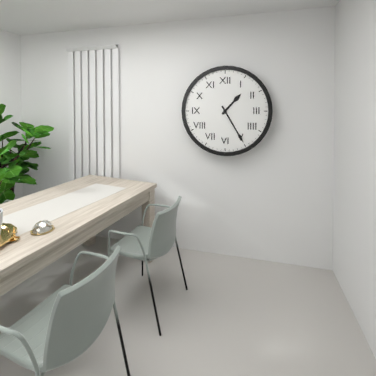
1:25
